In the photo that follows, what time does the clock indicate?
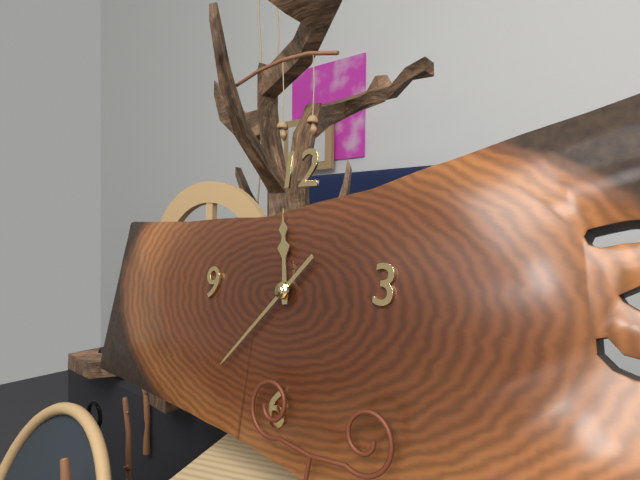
11:37
